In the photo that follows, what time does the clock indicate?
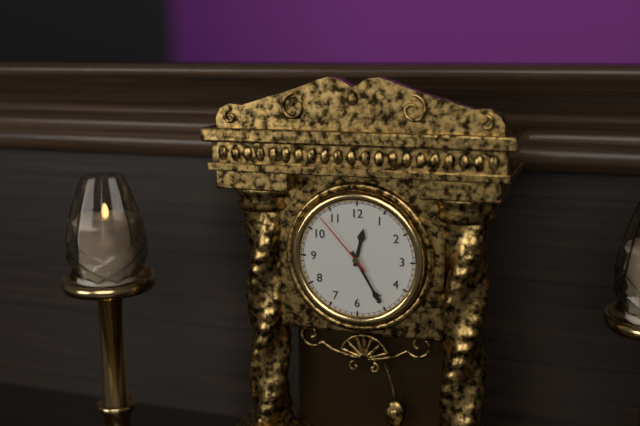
12:25:53
